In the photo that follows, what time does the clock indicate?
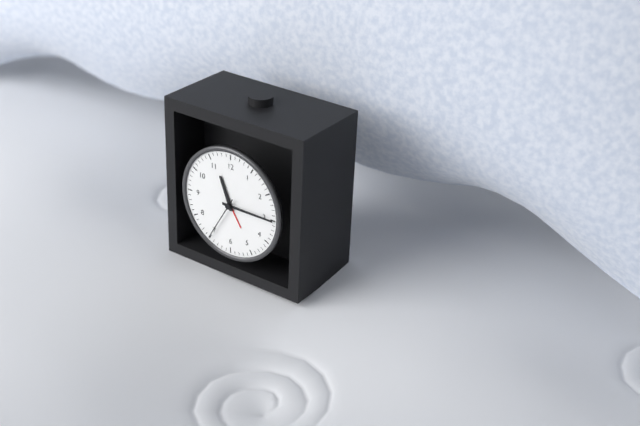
11:15
